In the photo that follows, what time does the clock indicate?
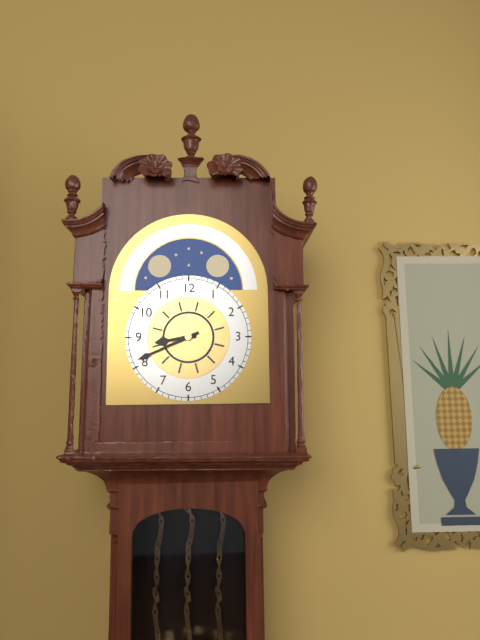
8:41
